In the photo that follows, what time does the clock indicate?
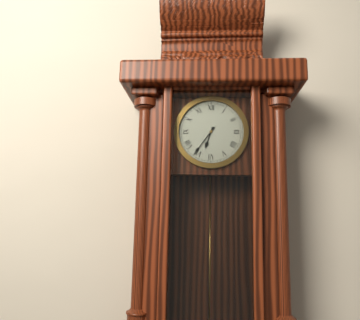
6:36
